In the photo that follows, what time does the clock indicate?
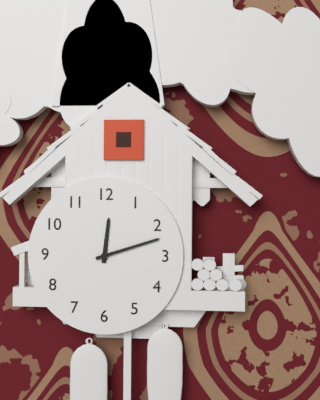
12:12
